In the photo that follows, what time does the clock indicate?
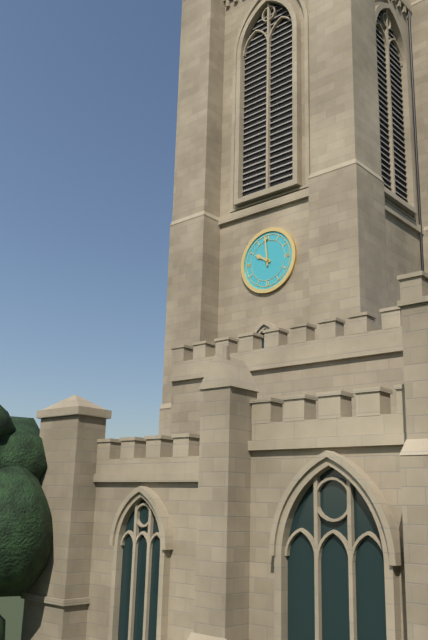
9:59
